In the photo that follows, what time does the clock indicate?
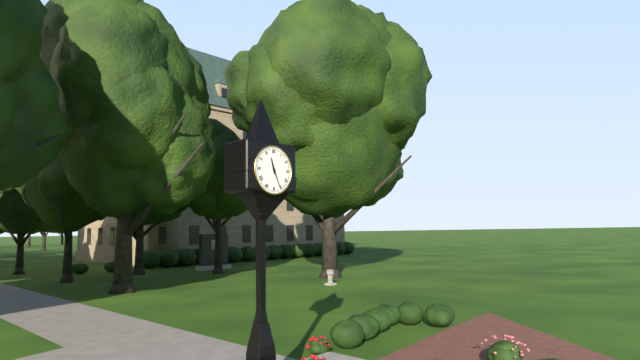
11:26
